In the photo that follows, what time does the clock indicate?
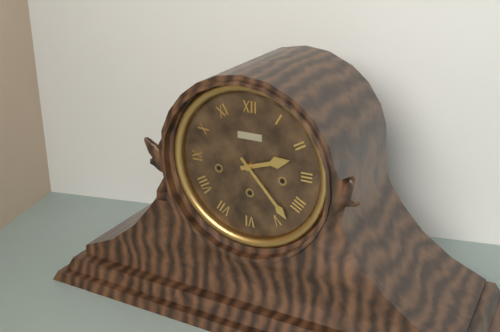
2:23
